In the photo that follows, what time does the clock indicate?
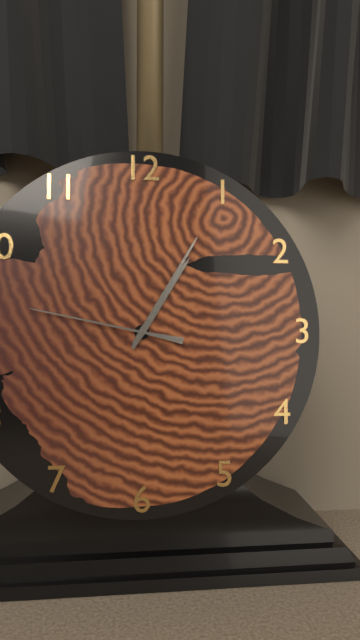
1:05:47
